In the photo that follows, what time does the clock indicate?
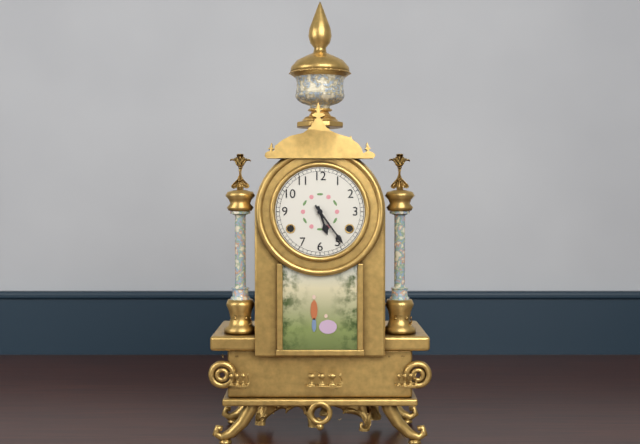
5:24
